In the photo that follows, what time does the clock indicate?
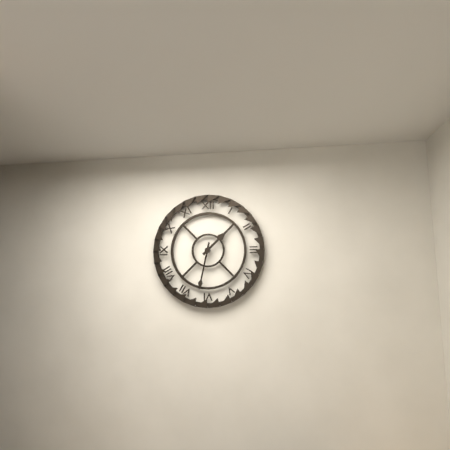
1:32
